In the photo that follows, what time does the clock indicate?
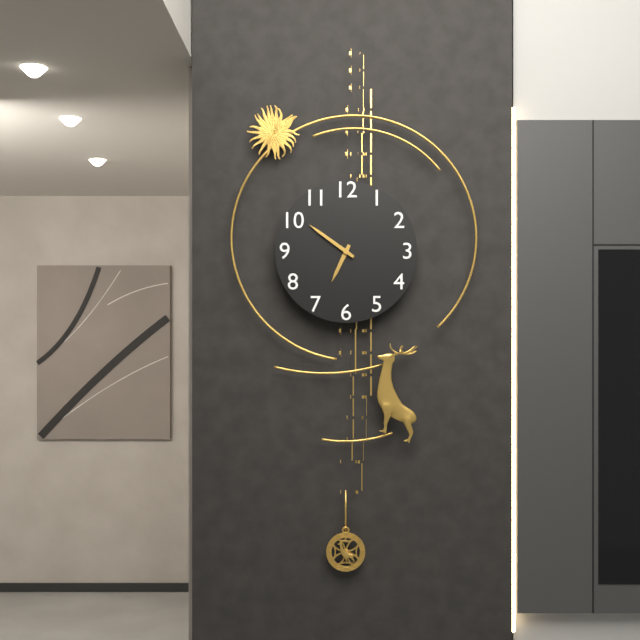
6:51
